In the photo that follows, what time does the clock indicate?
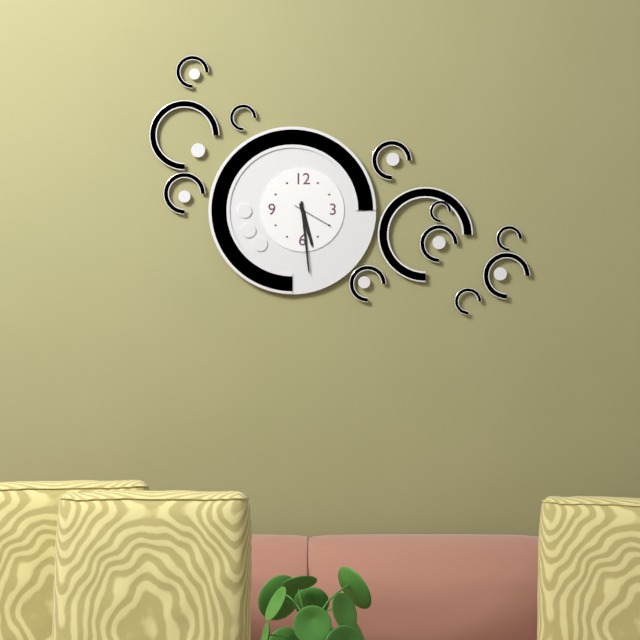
5:29
